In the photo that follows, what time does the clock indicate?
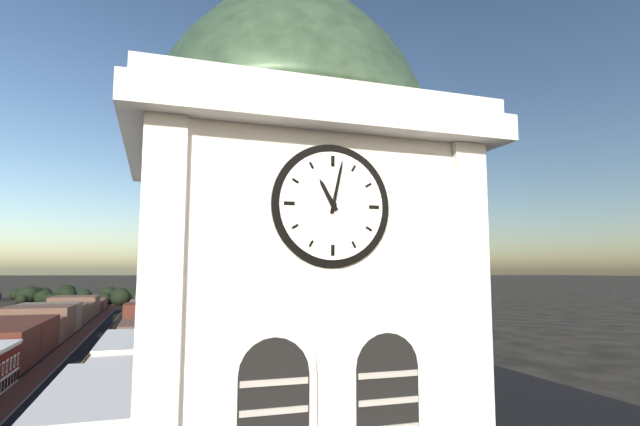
11:02
